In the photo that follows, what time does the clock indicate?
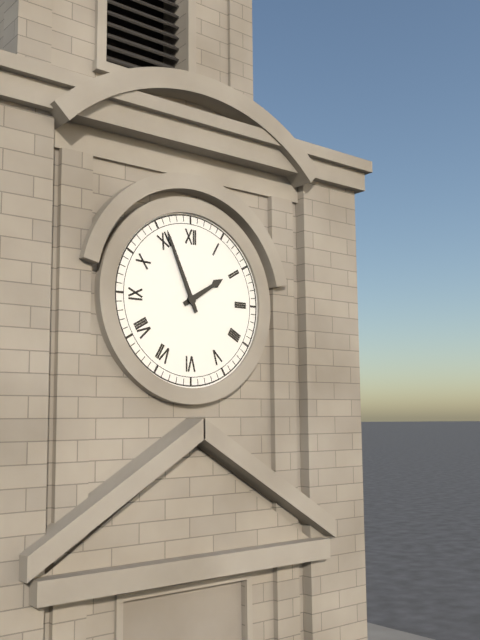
1:56
